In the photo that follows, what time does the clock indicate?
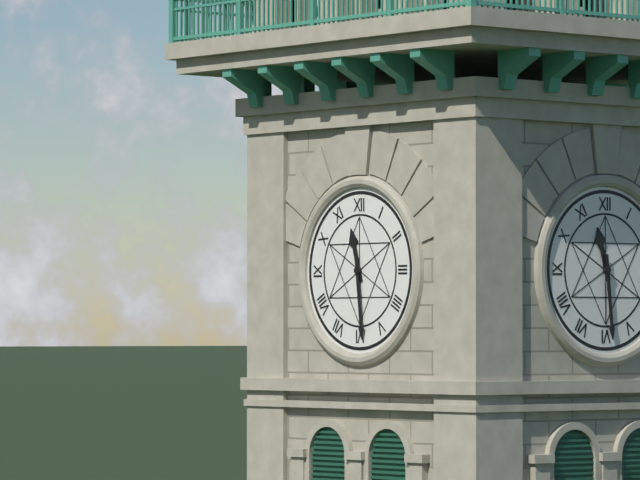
11:29
